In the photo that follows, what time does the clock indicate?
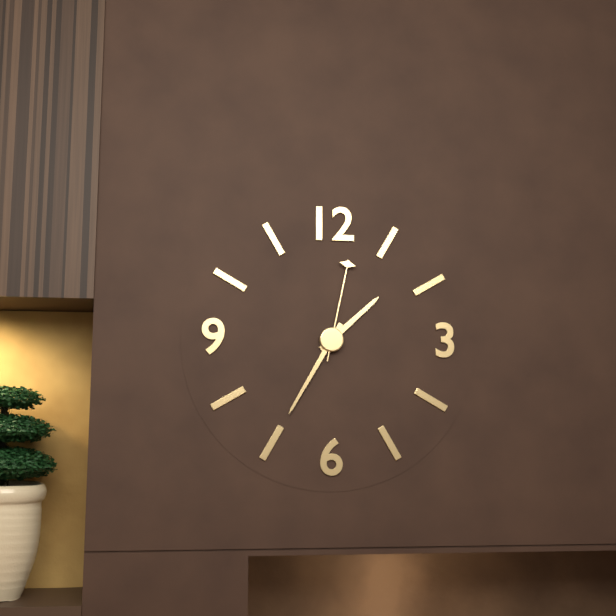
1:35:02
